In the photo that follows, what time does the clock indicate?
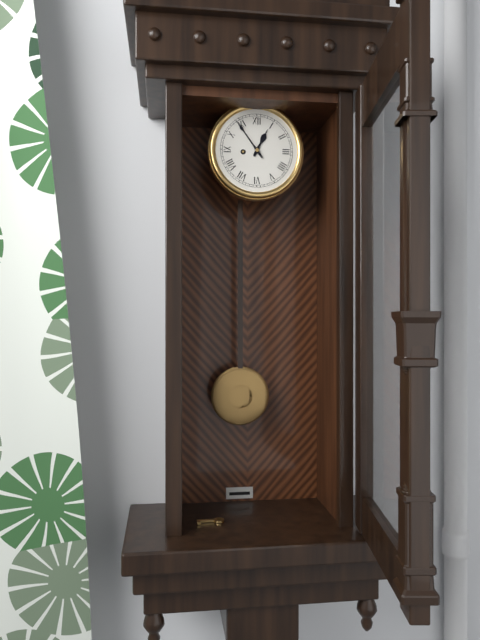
12:54
